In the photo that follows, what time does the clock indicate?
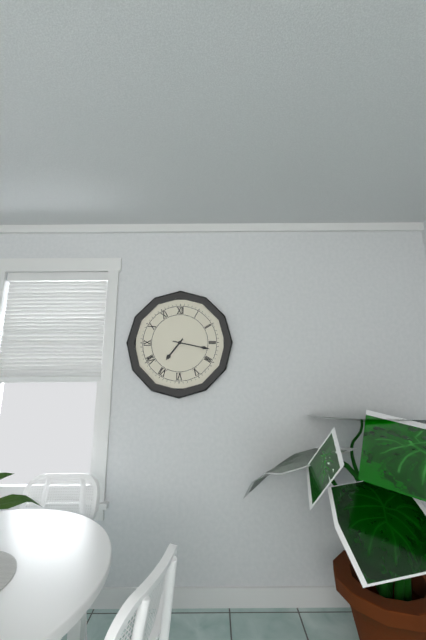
7:17
